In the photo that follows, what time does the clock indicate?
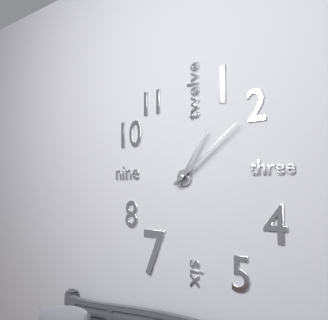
1:09
